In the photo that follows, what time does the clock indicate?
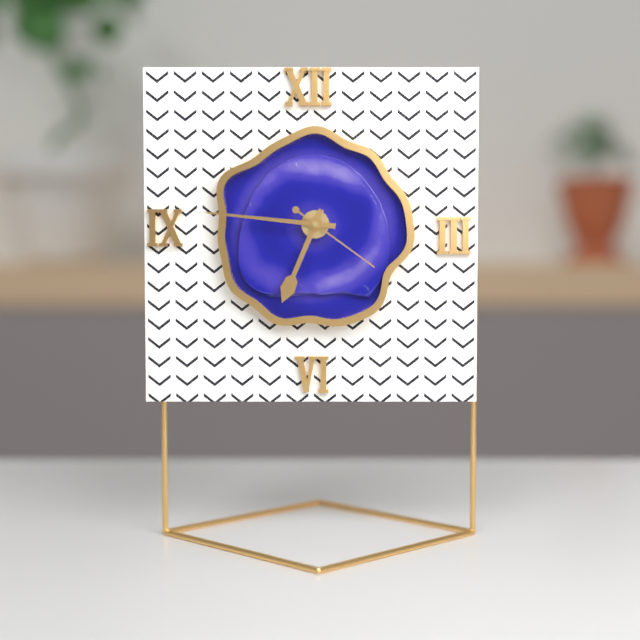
6:46:21
